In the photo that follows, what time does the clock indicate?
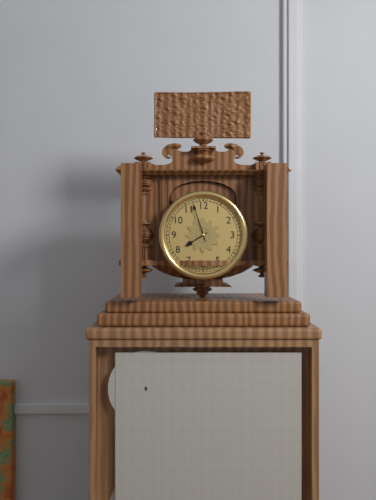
7:57
